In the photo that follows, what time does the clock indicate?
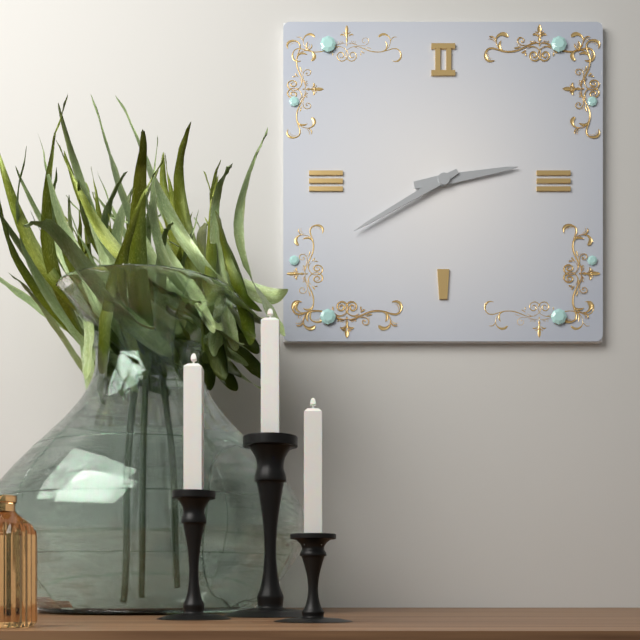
2:40
